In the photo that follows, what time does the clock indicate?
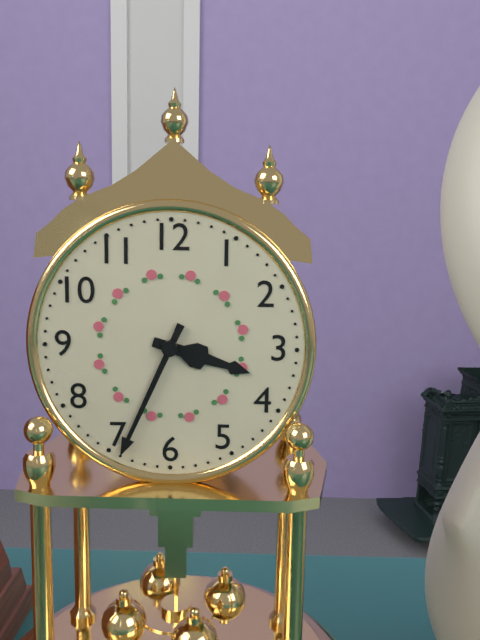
3:34
